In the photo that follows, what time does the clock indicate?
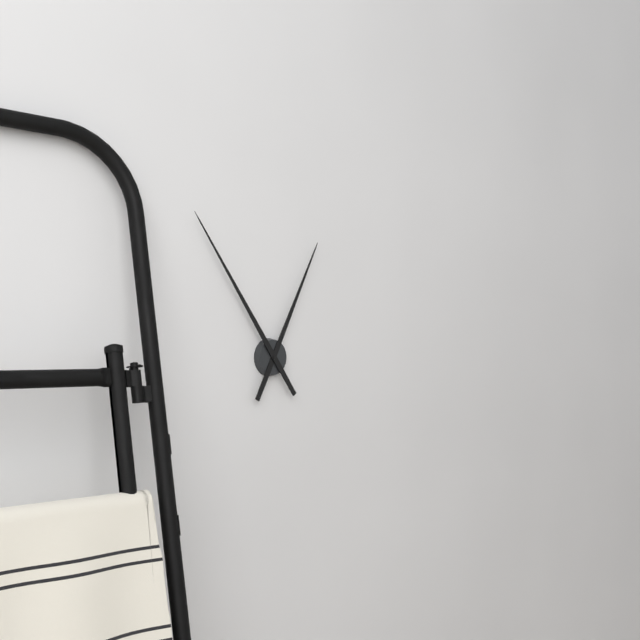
12:54
